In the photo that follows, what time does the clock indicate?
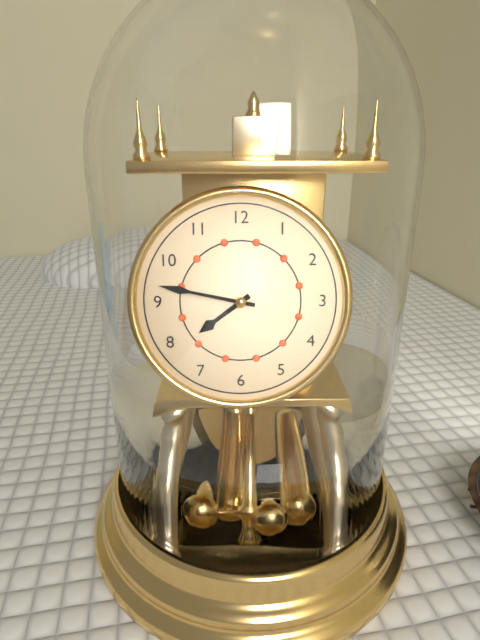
7:47
